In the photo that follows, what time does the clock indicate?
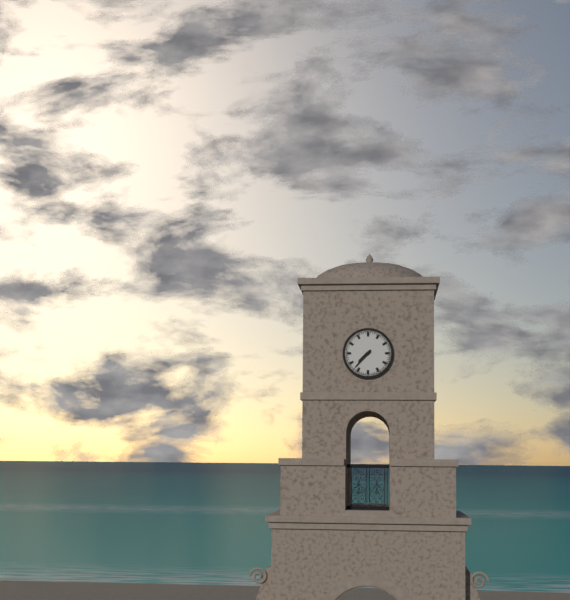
7:37
